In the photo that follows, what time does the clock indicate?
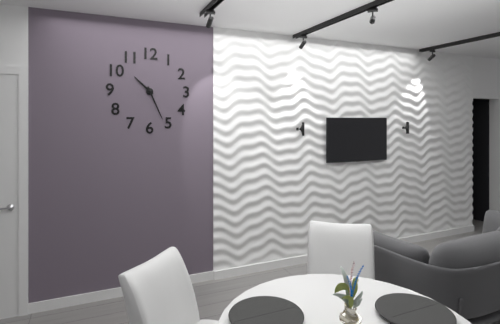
10:26
